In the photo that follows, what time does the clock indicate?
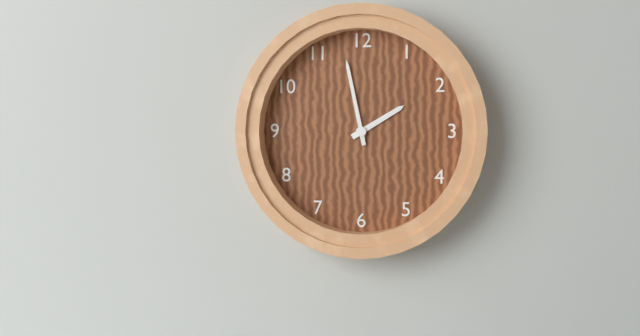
1:58
